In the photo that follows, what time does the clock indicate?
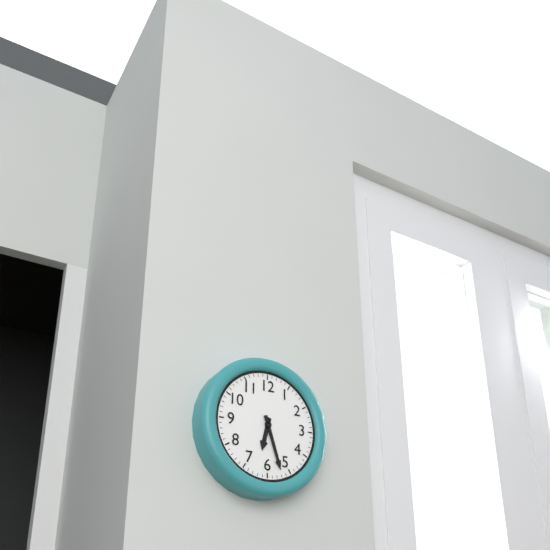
6:27
